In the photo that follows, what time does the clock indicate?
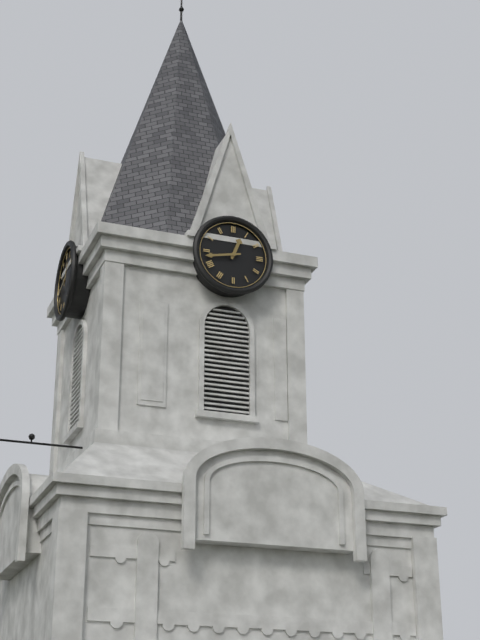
12:43
